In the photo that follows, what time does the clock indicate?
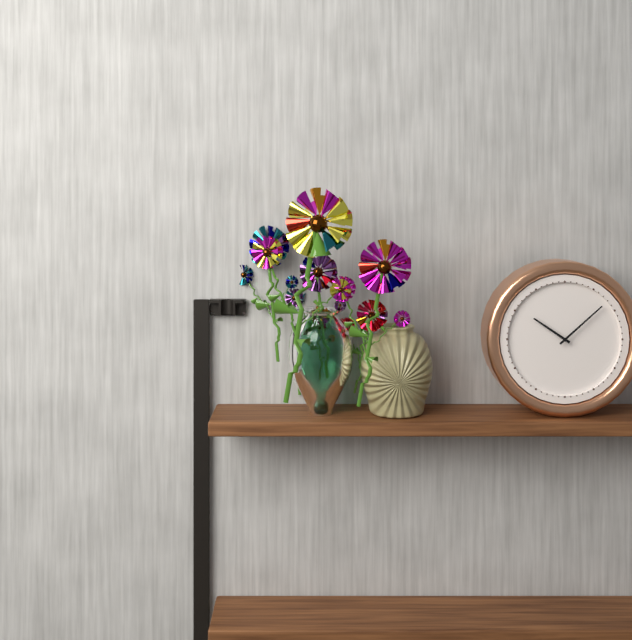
10:08
